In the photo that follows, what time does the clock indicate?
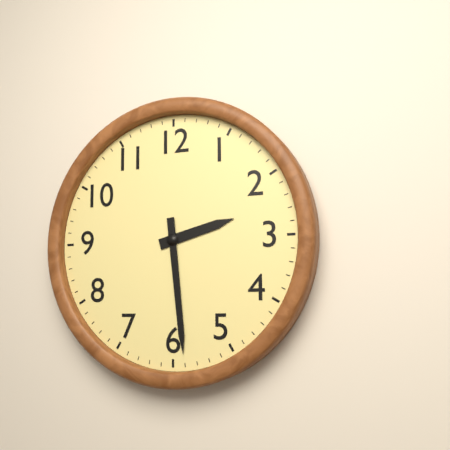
2:29
